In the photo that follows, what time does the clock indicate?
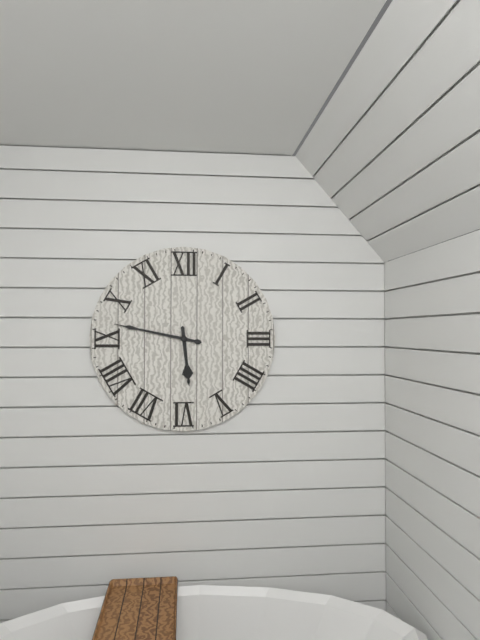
5:47
